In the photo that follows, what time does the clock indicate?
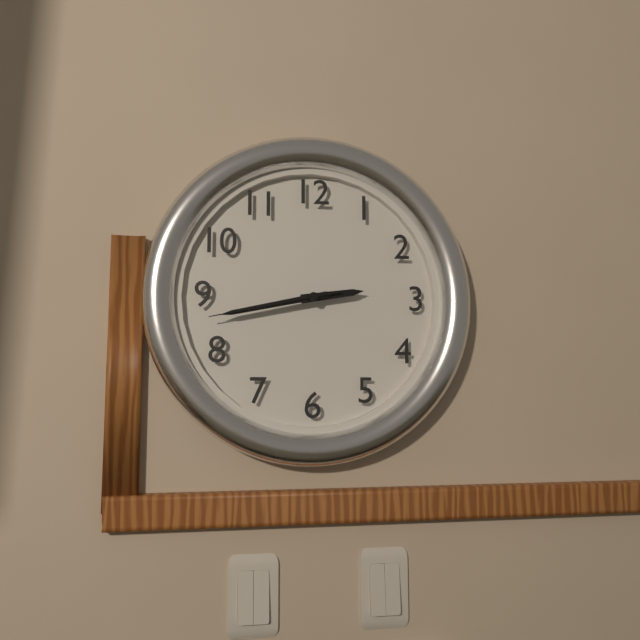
2:43:43
